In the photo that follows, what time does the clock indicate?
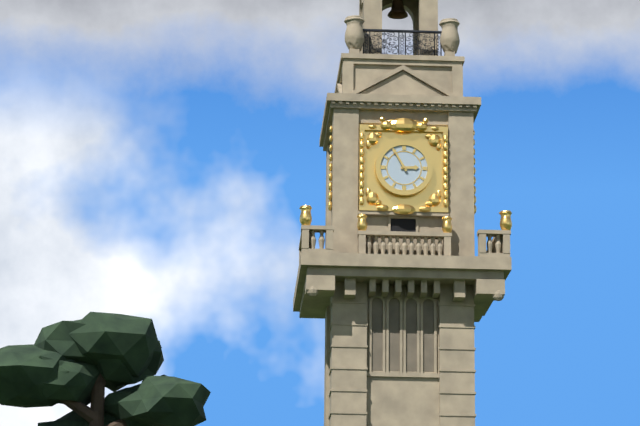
2:55
